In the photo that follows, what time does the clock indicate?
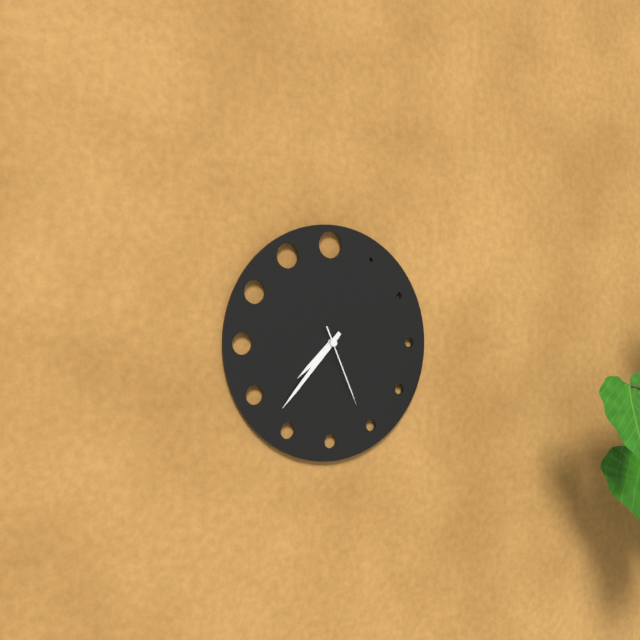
7:37:26
